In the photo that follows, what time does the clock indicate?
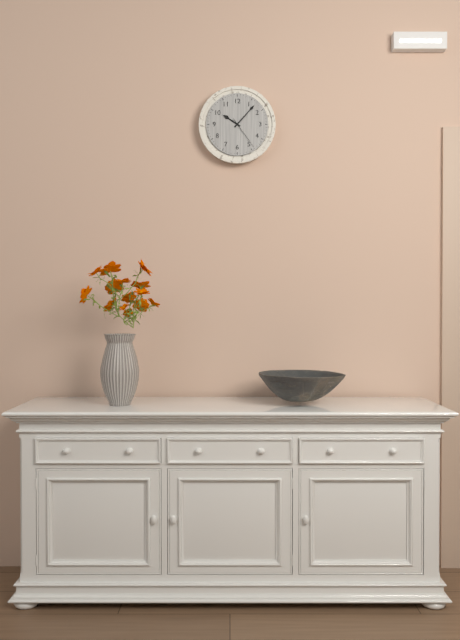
10:07
